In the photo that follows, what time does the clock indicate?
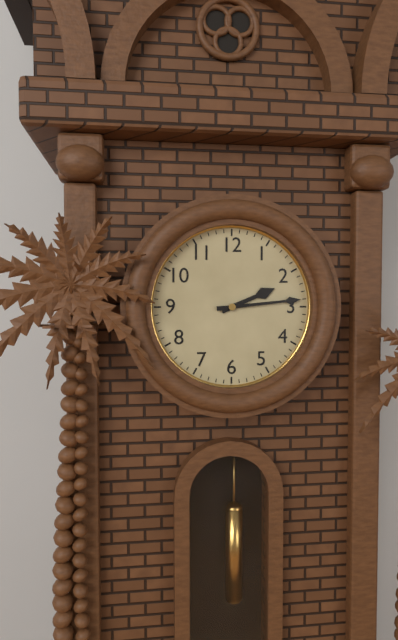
2:14
